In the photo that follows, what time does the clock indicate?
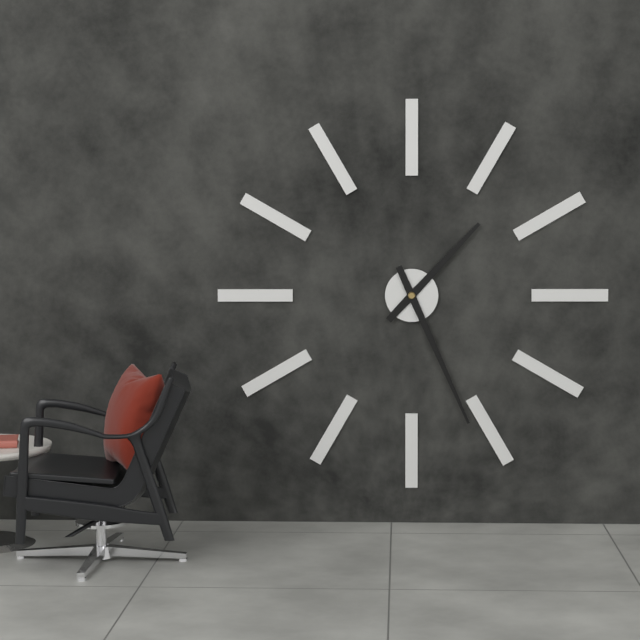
1:26
